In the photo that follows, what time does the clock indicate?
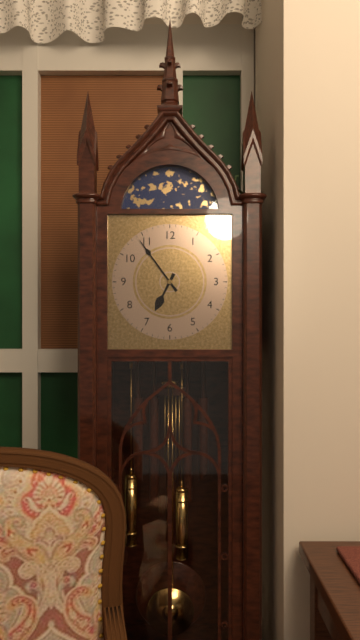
6:54
